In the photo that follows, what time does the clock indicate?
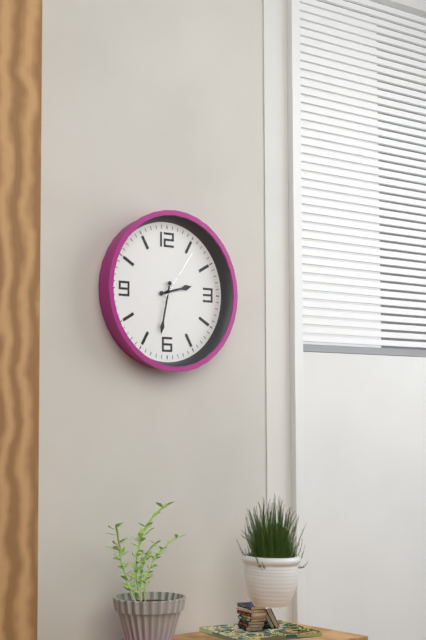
2:32:06
